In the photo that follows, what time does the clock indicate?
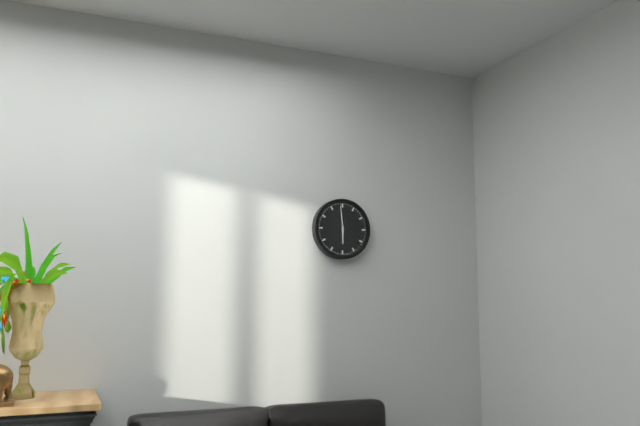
5:59
